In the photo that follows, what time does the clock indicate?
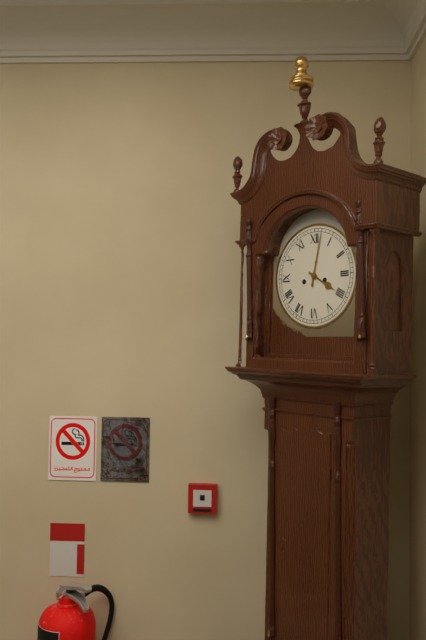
4:02
